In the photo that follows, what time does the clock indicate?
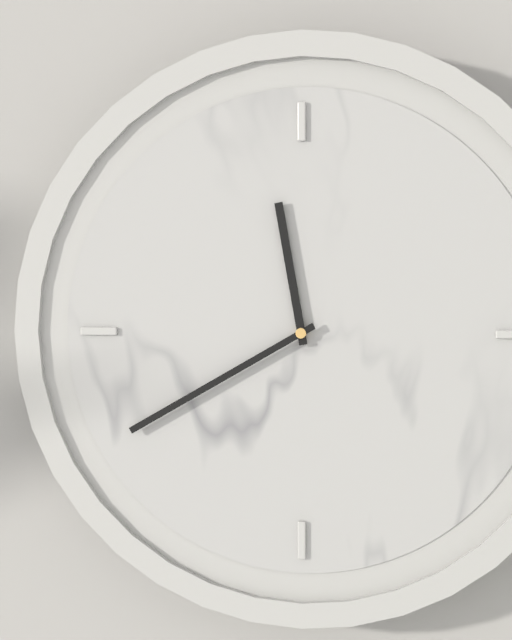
11:40
